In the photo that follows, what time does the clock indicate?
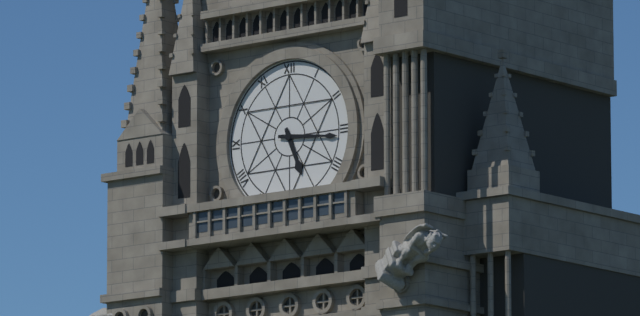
5:16
